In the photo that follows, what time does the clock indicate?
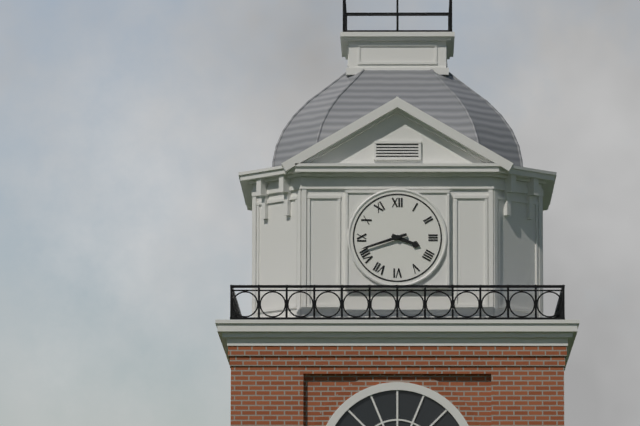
3:42
